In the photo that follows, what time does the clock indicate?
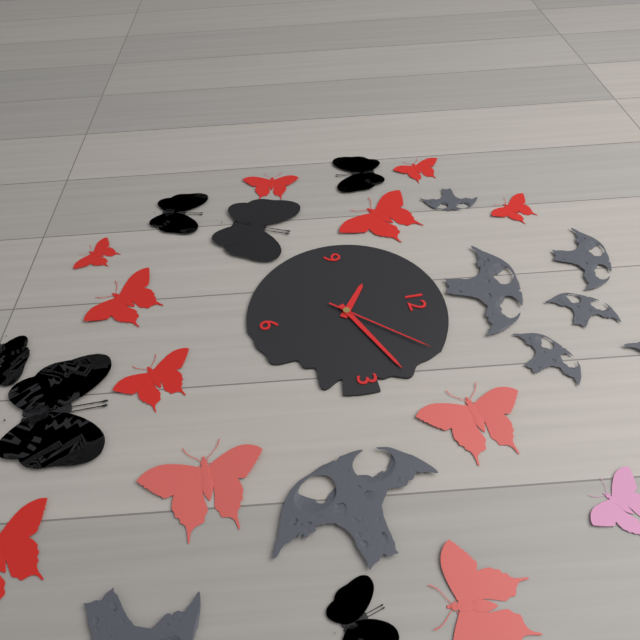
10:11:07
